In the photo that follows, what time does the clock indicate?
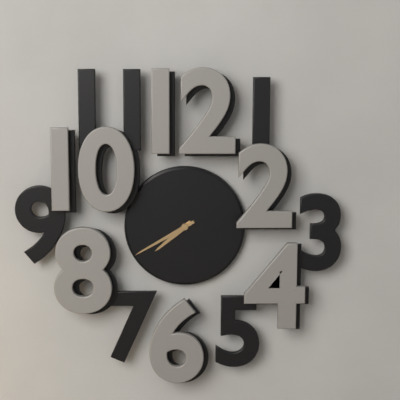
7:40
